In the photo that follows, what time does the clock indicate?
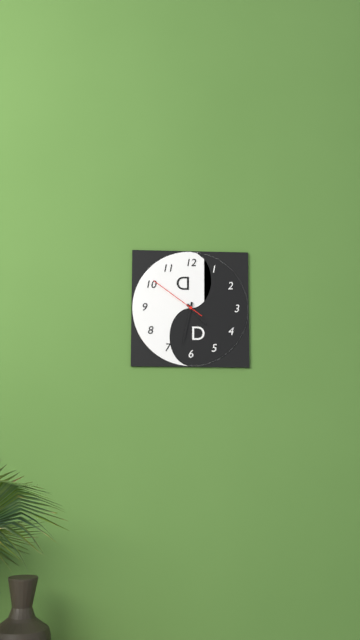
4:32:51
